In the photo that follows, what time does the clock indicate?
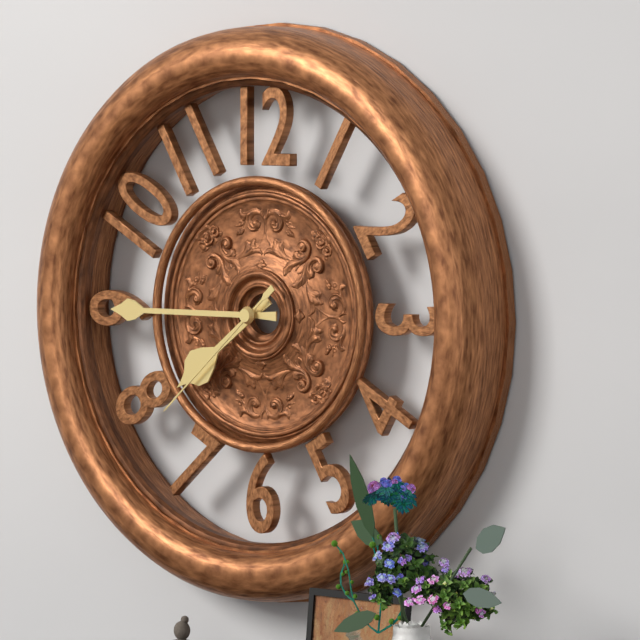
7:45:38
